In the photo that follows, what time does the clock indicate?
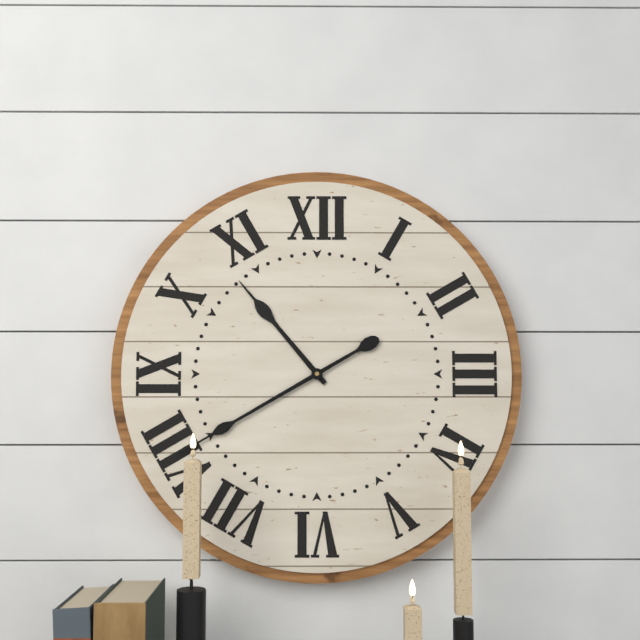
10:40
